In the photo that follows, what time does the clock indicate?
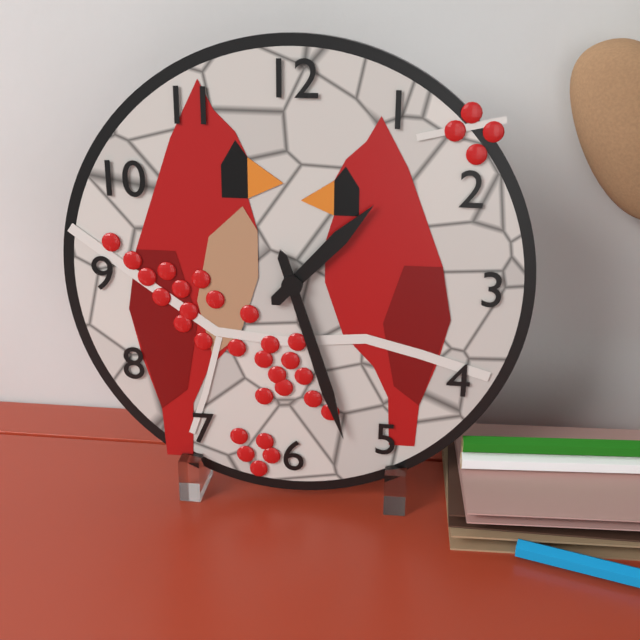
1:27
